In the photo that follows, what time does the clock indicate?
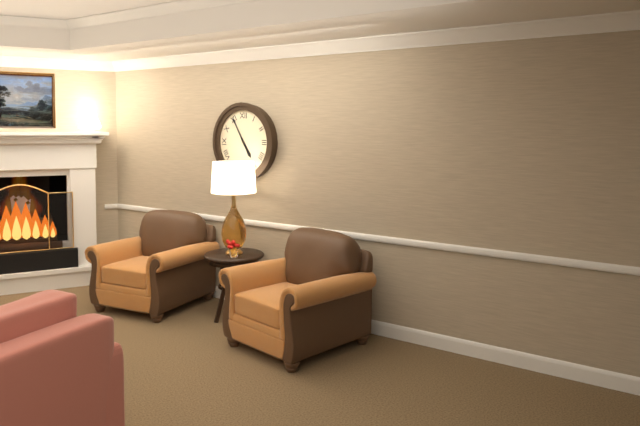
4:55
